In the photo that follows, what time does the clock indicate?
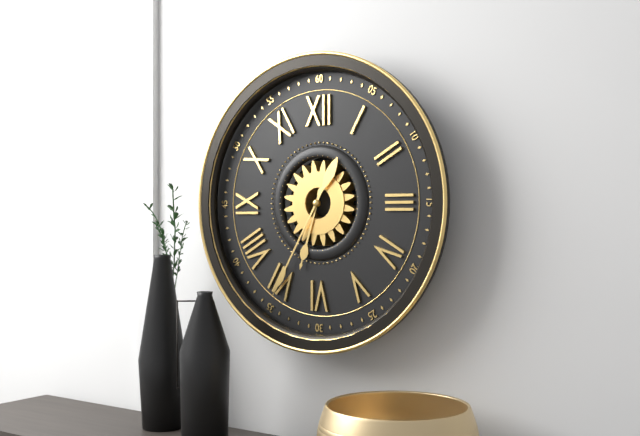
6:35
